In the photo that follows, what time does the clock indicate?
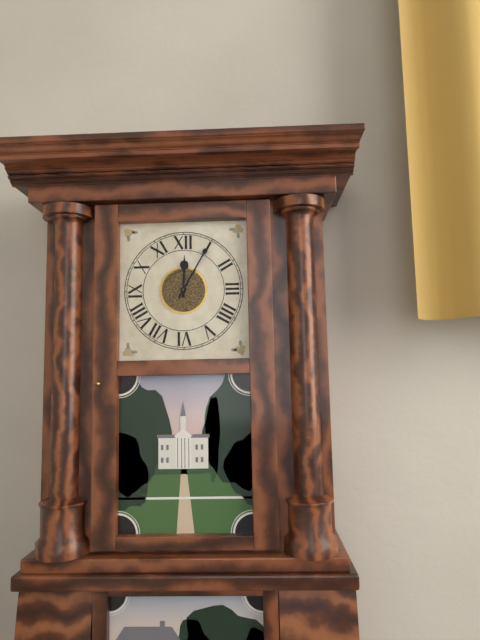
12:05
